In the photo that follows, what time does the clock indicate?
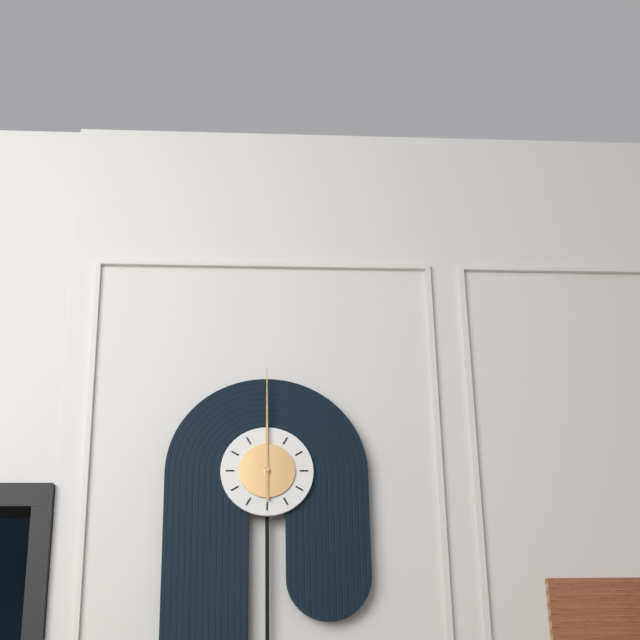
12:00
